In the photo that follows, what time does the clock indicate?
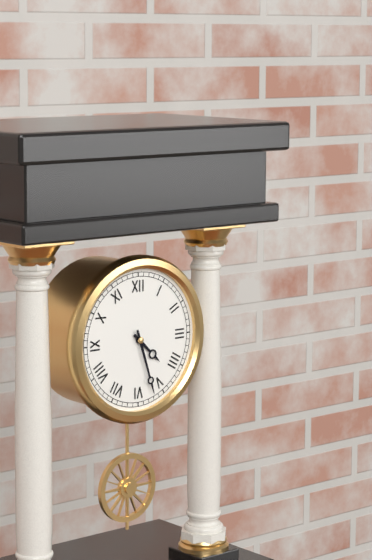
4:27
